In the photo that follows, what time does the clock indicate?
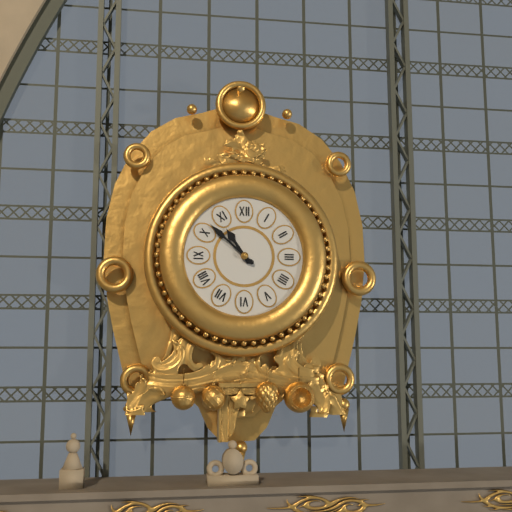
10:52
